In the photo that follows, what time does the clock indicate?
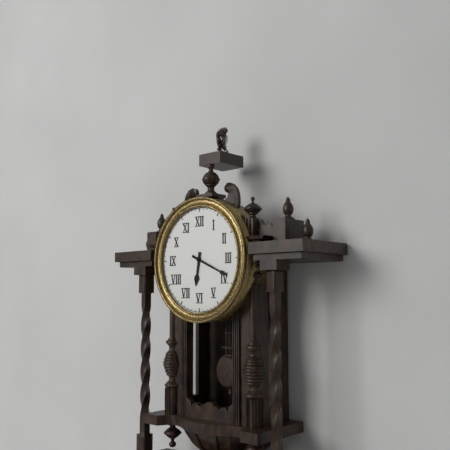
6:19
